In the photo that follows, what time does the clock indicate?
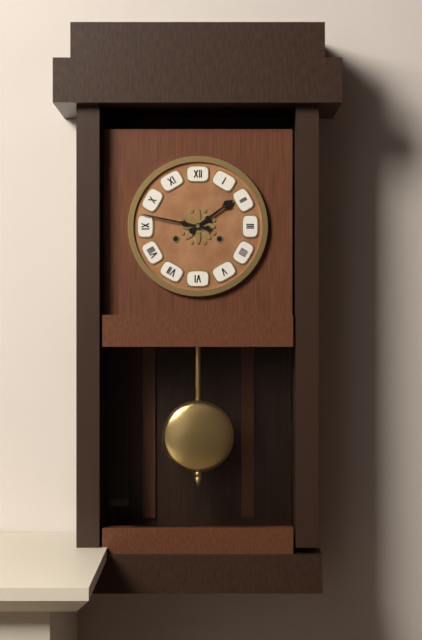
1:47
